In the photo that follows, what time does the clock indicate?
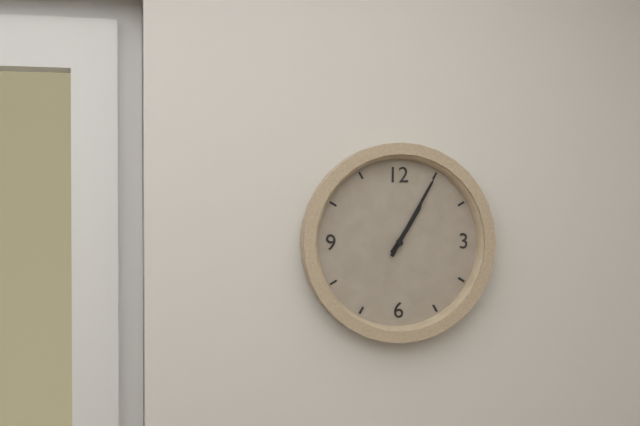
1:05
